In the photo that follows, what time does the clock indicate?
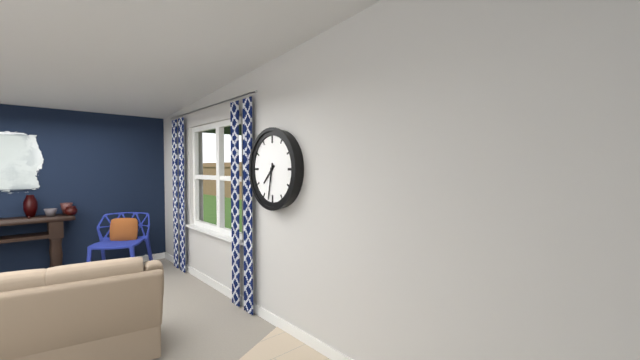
7:32
